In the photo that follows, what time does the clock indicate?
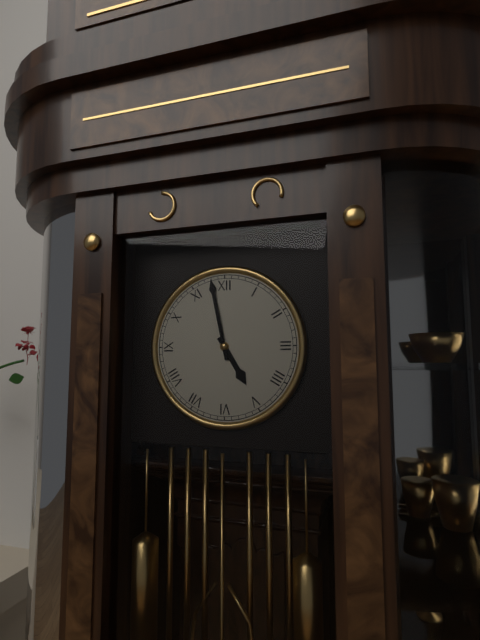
4:58
